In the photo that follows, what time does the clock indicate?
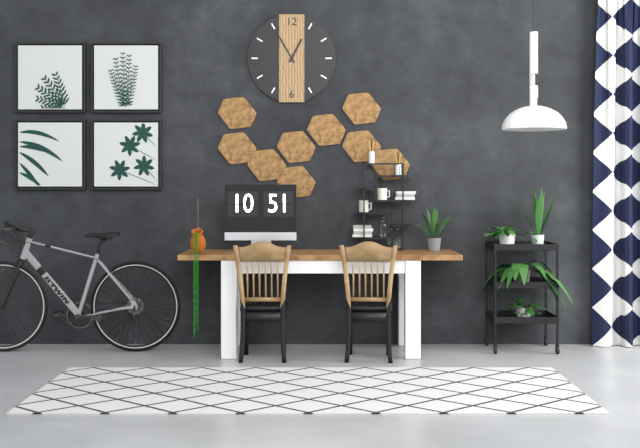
12:55
